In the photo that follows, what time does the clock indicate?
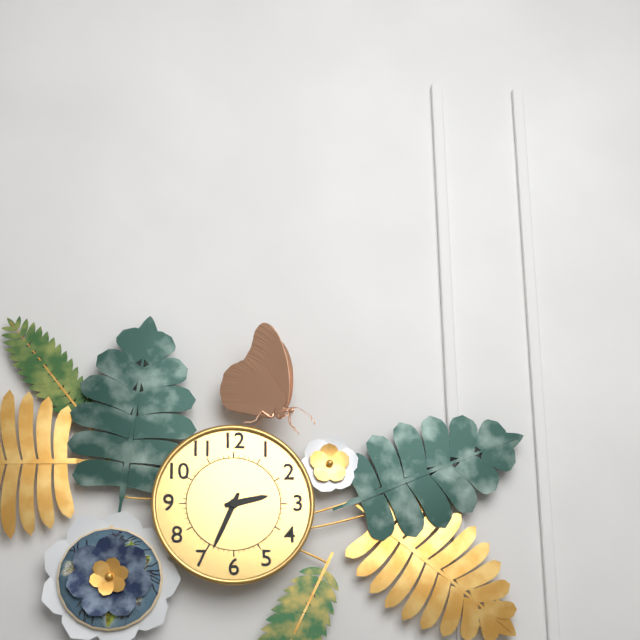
2:34
